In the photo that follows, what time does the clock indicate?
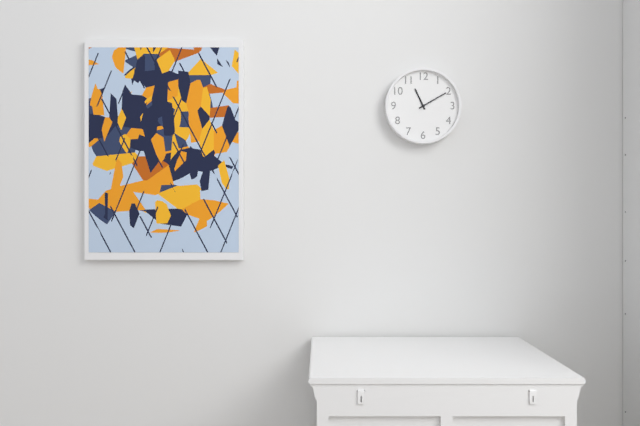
11:10
